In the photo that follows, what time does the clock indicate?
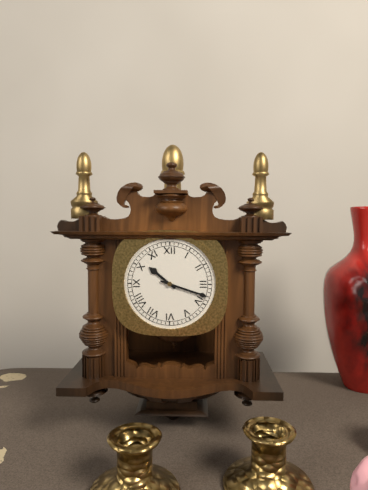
10:18
